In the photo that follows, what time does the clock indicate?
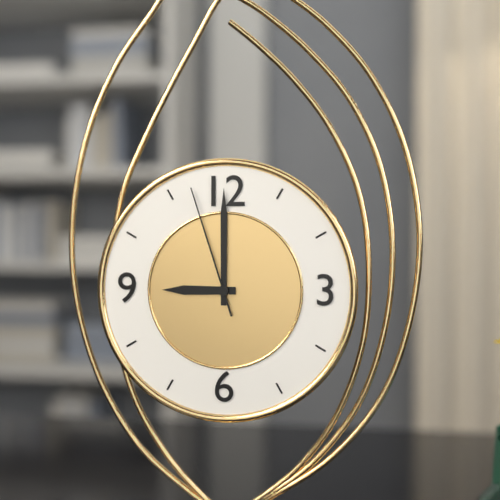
9:00:57
